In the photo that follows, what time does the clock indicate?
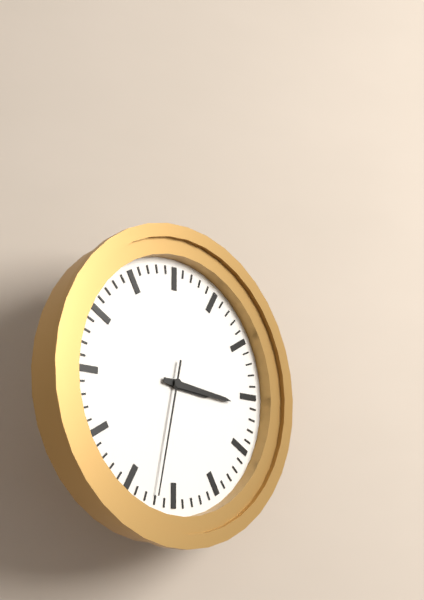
3:16:32
